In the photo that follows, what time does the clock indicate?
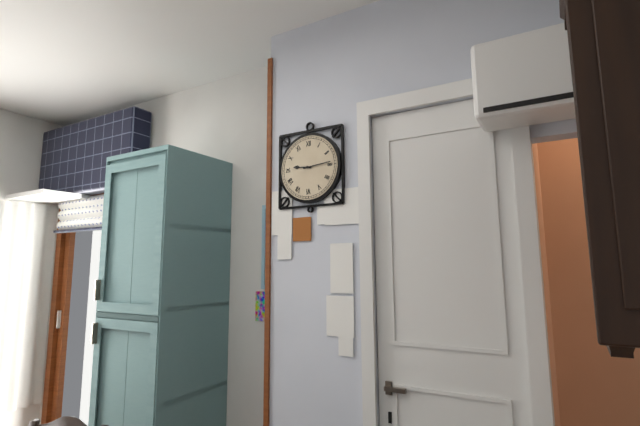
9:14
